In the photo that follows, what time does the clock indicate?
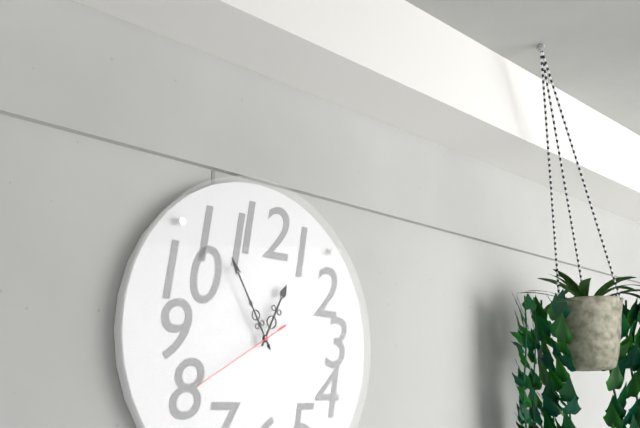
12:55:40
